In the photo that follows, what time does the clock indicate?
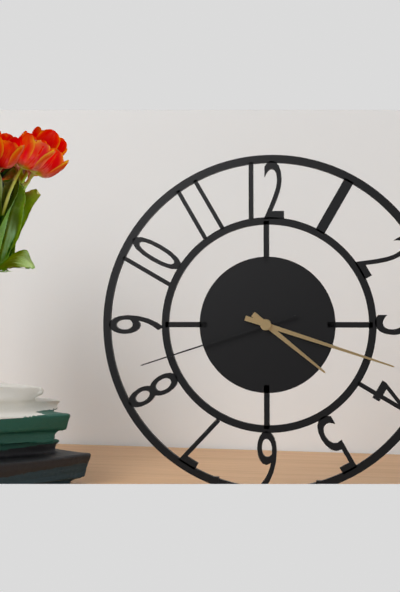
4:18:42
